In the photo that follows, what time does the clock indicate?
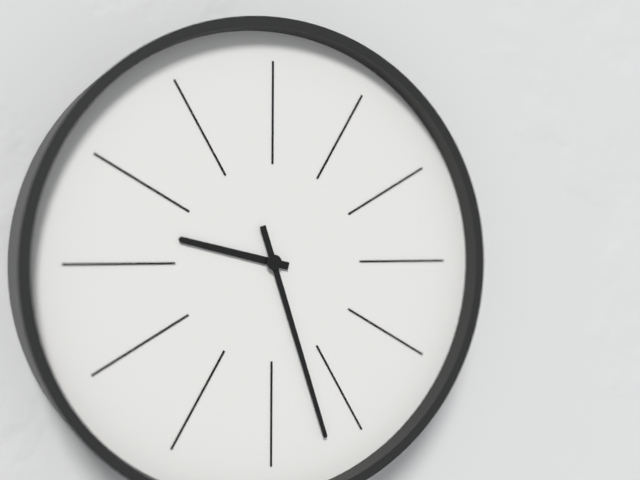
9:27
